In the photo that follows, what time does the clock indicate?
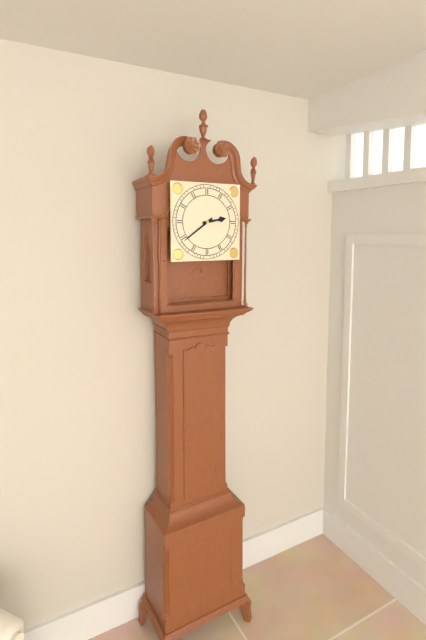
2:39
